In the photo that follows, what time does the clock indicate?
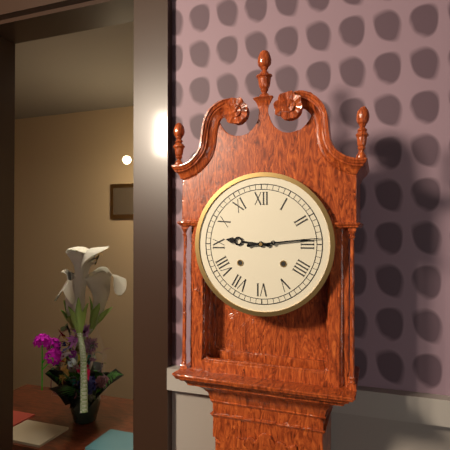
9:14
